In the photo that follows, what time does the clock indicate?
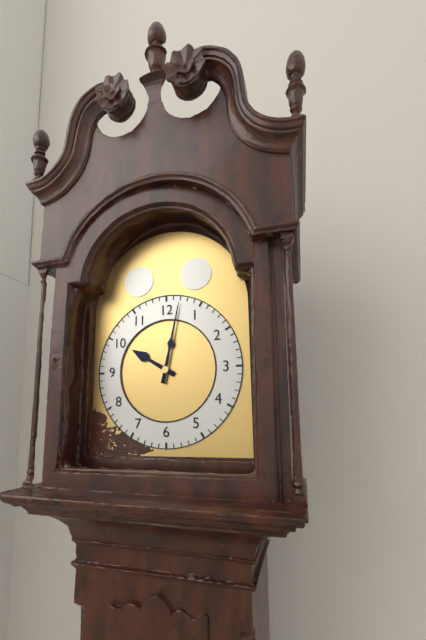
10:02
